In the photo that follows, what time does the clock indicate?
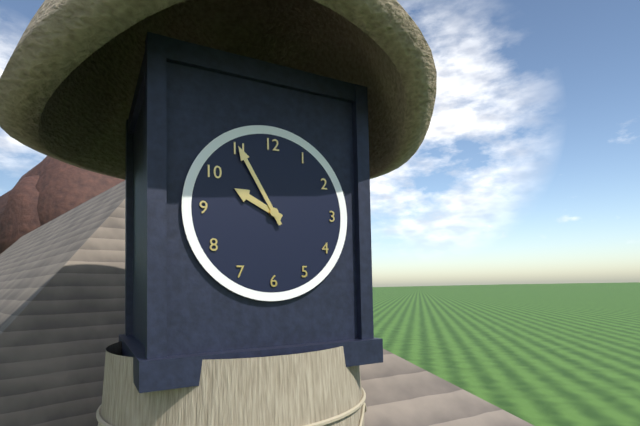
9:55
